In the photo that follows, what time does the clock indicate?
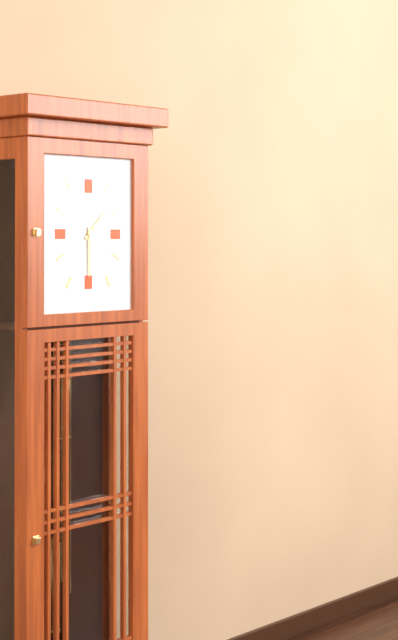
1:30
